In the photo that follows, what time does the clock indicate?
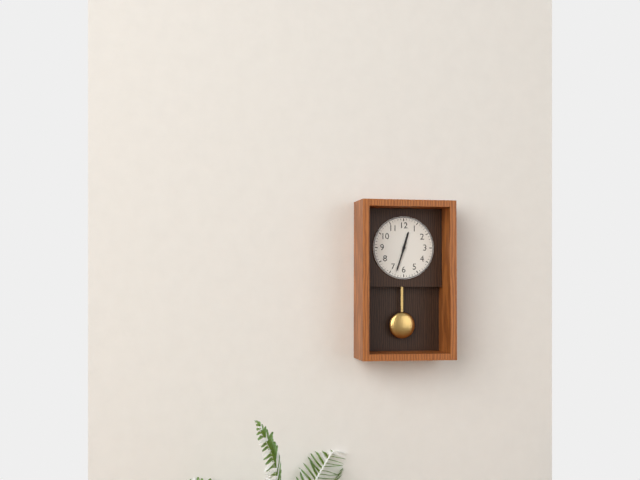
12:33
